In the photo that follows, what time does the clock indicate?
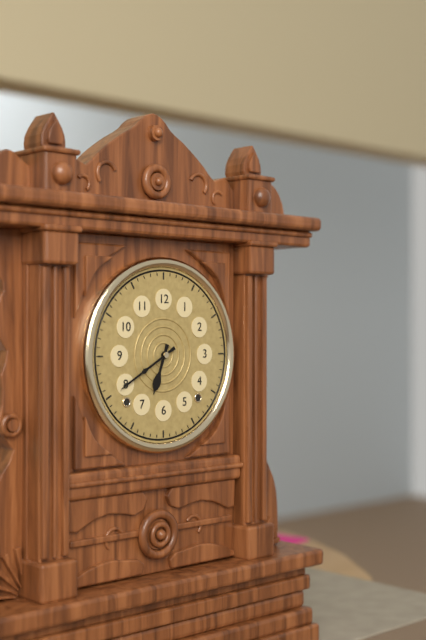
6:40
